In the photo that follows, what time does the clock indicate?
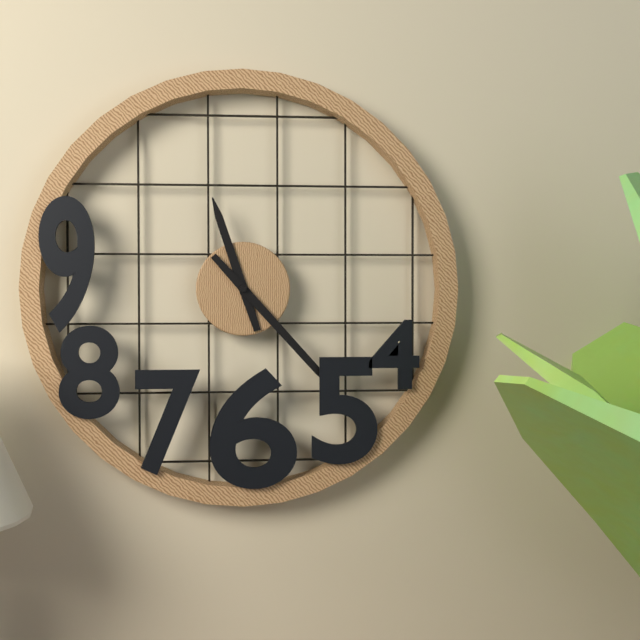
11:23
